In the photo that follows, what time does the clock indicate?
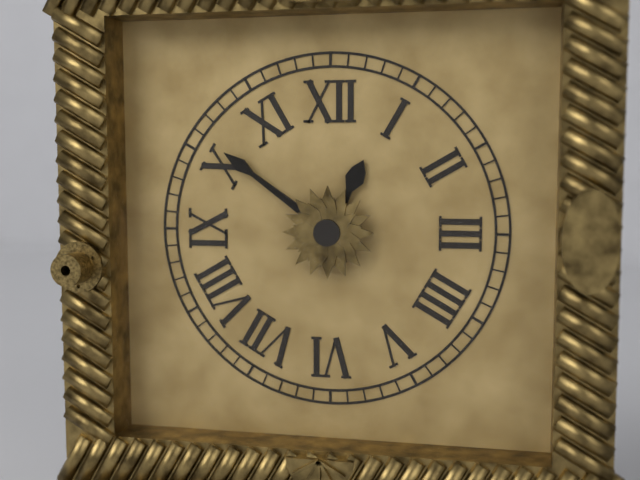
12:51
